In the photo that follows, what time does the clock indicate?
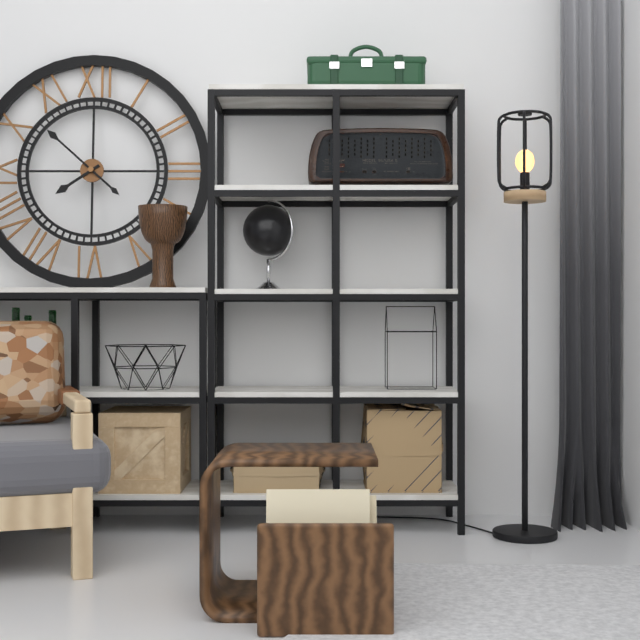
7:52
